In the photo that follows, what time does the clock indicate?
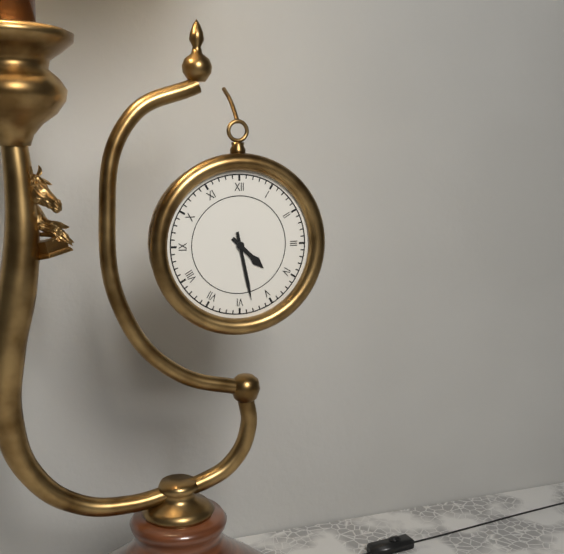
4:28
